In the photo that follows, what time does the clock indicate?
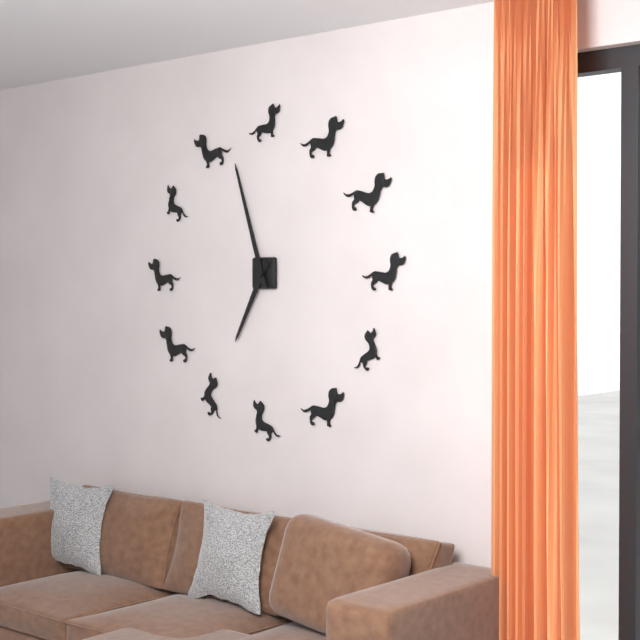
6:57
